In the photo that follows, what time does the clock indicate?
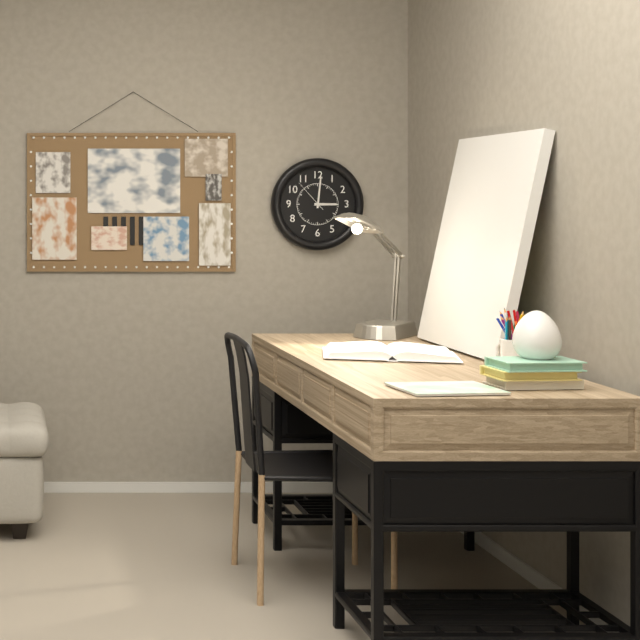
3:01
